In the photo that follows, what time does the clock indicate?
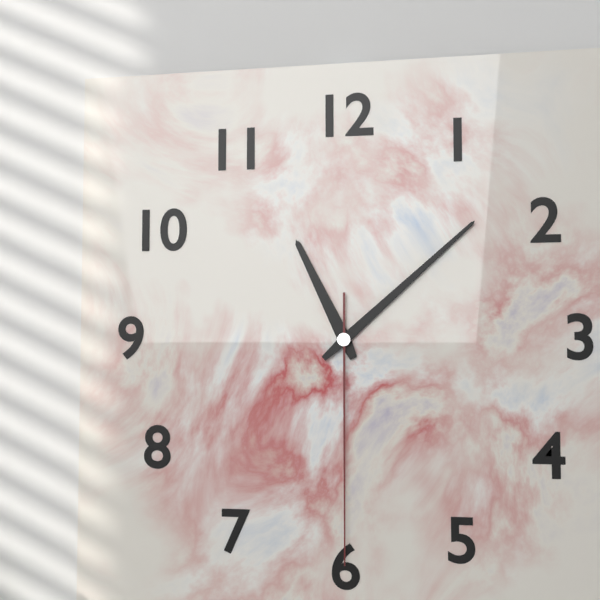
11:08:30
